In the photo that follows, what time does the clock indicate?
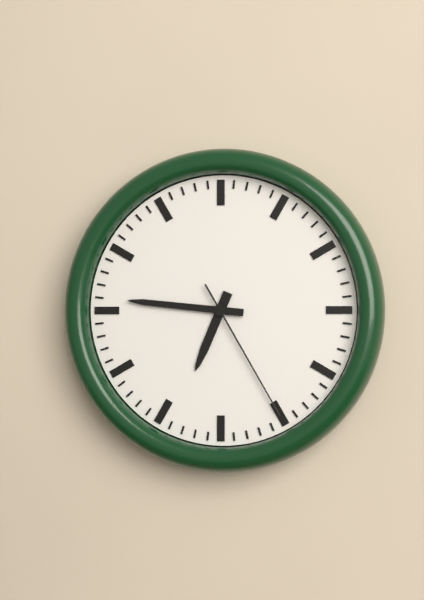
6:46:25
